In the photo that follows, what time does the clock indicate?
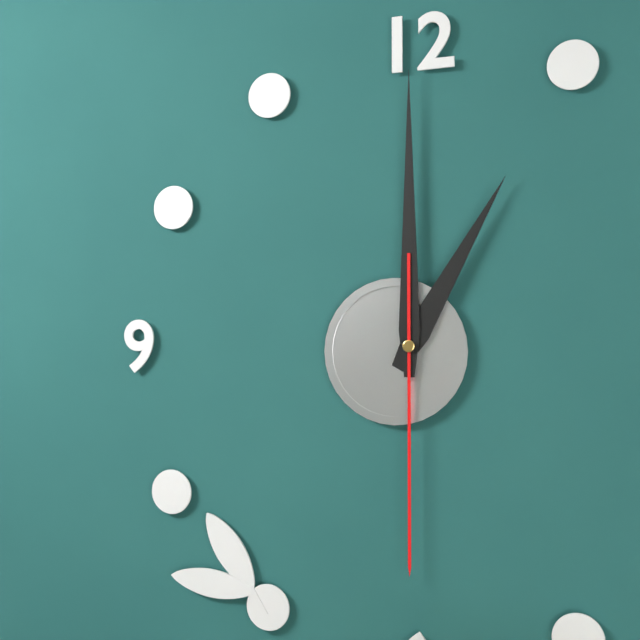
1:00:30
